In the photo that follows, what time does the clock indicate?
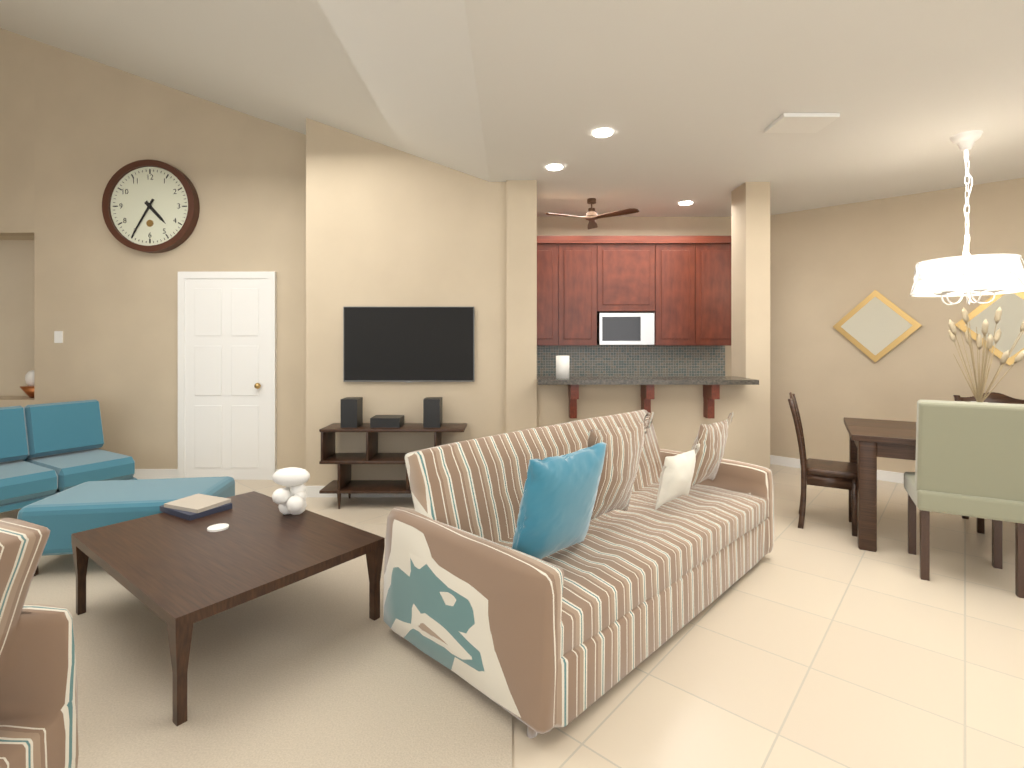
4:35
